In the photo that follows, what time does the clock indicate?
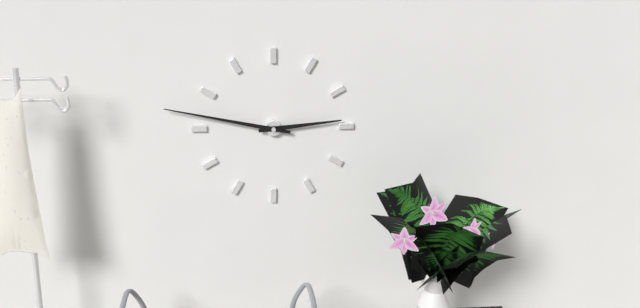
2:47
